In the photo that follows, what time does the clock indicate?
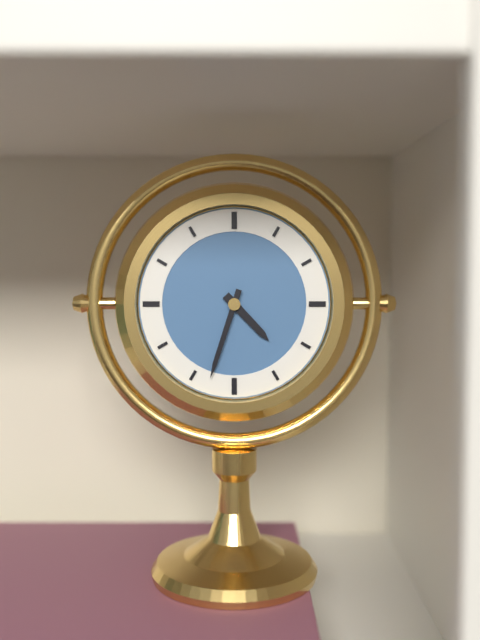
4:33
